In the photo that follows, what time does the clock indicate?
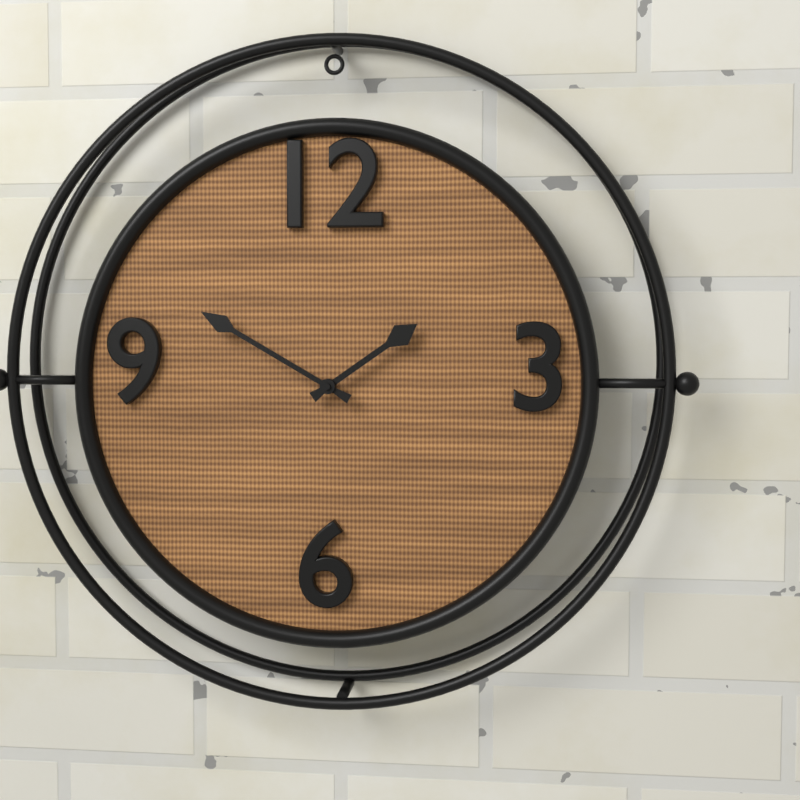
1:50
